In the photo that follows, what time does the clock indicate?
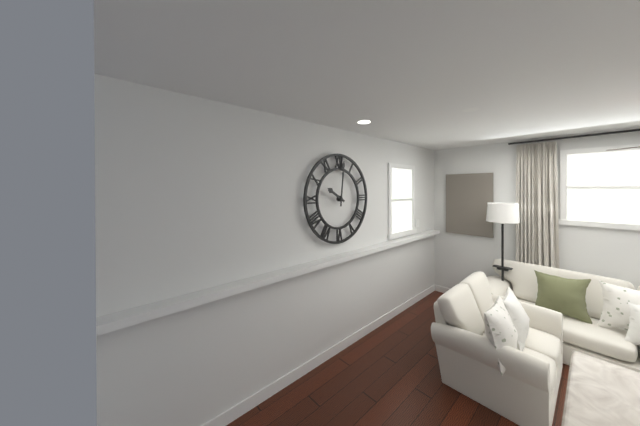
10:01
